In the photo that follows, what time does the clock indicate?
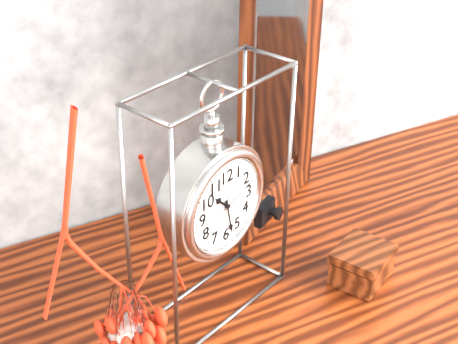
10:28:12
